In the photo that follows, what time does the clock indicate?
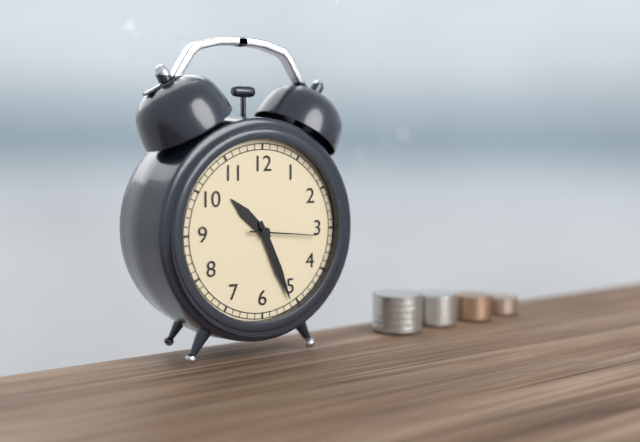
10:26:16
